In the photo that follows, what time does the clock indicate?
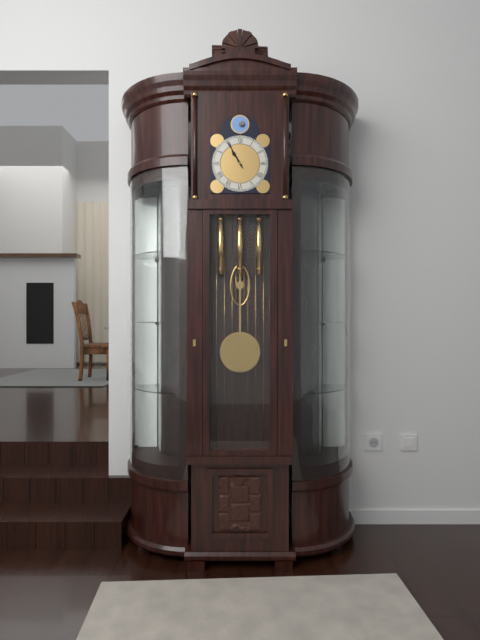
10:55
